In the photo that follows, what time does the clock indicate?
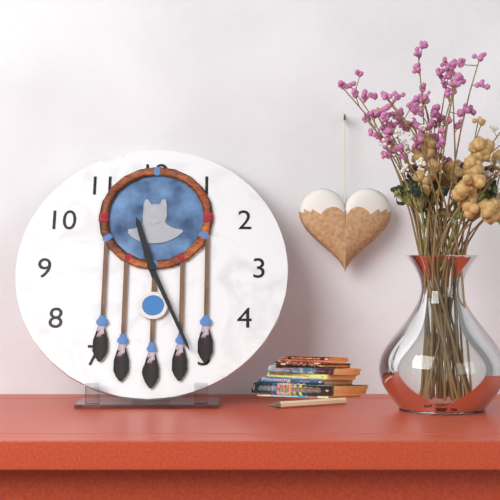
11:26
